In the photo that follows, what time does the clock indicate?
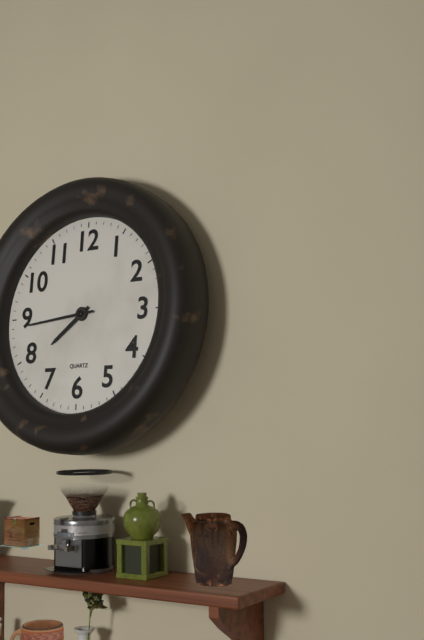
7:44
